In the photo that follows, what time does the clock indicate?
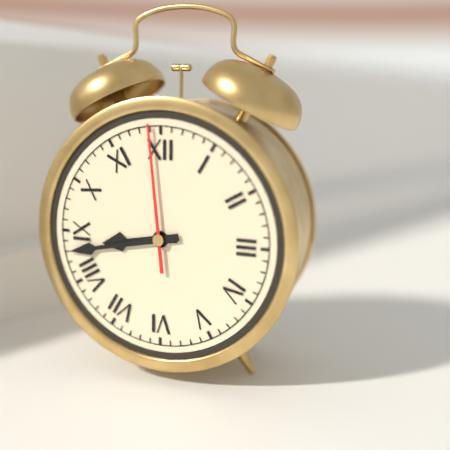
8:43:59
